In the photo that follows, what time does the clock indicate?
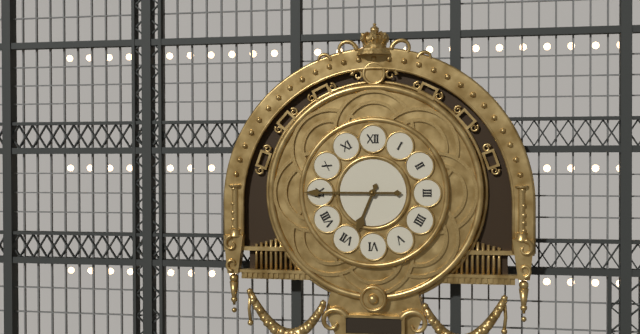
6:45
